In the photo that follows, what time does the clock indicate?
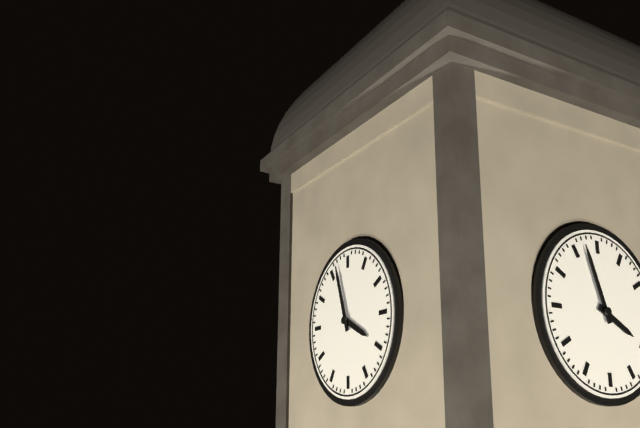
3:57
